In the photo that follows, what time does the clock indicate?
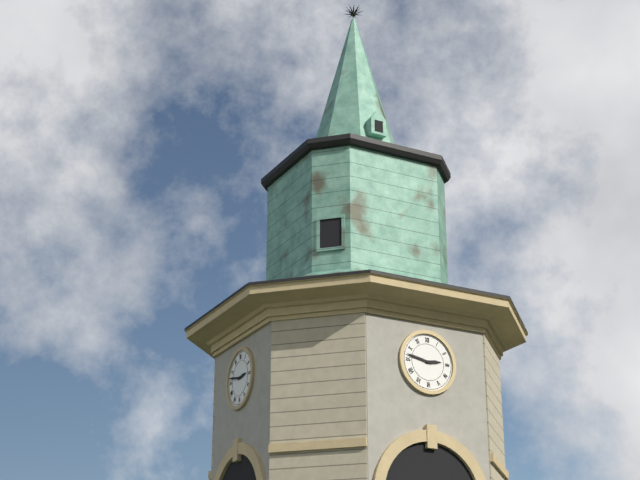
2:47
